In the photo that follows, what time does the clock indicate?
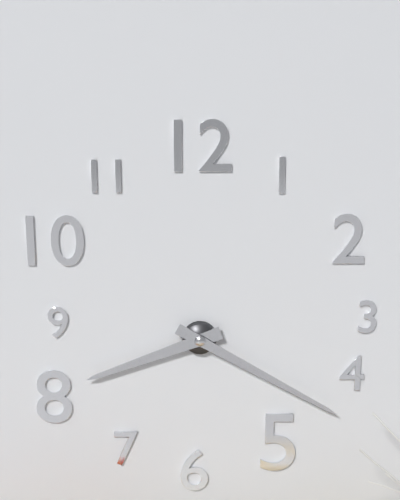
8:20
